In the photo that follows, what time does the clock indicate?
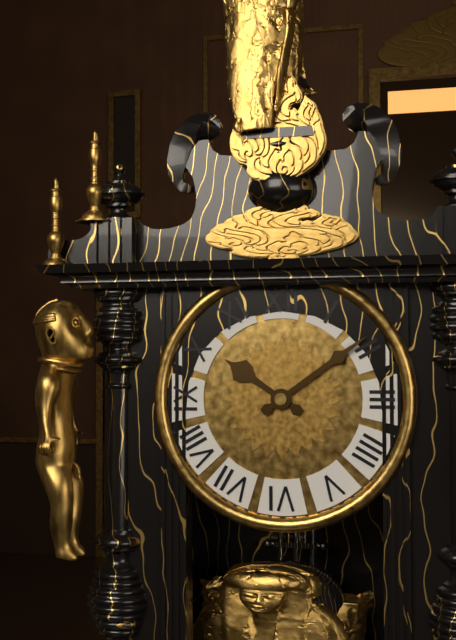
10:09
